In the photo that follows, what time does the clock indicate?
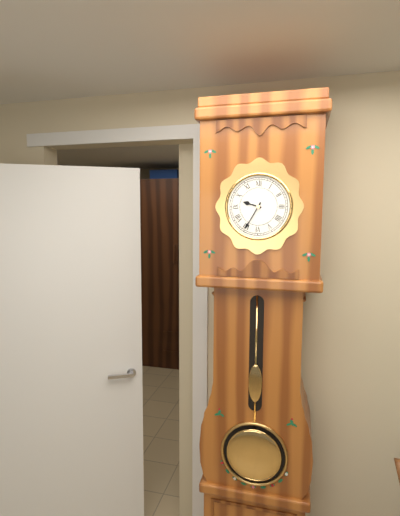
9:35
